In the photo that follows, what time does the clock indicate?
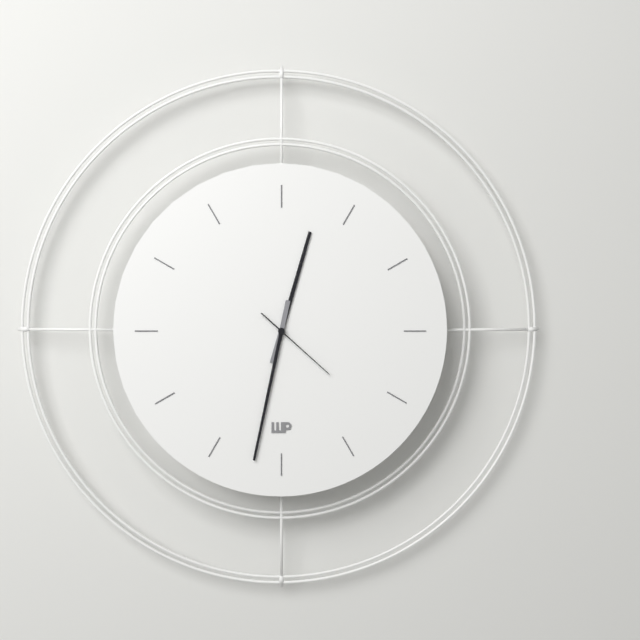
12:32:22
